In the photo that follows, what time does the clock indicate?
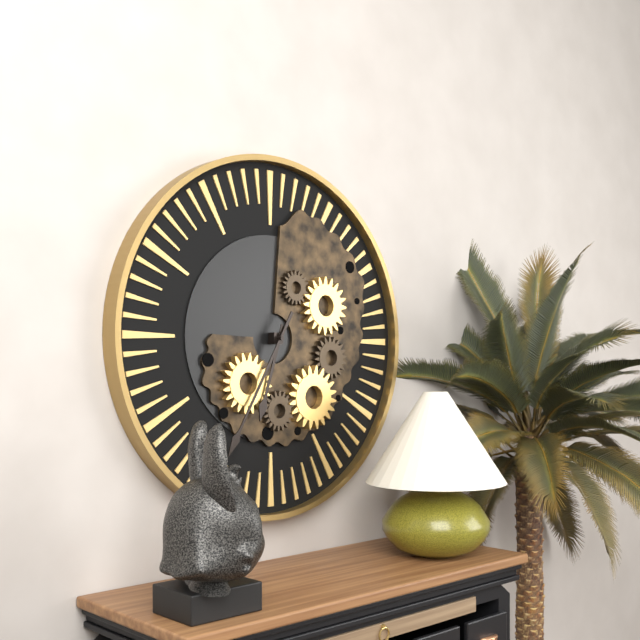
6:35
